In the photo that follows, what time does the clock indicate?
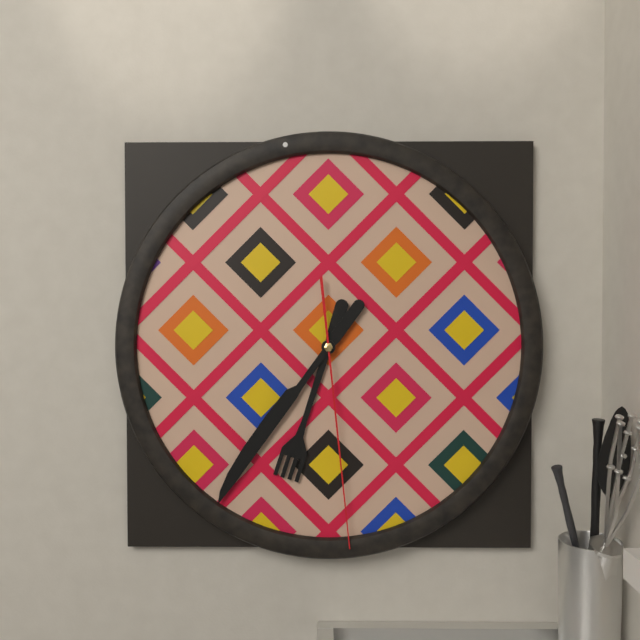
6:36:29
